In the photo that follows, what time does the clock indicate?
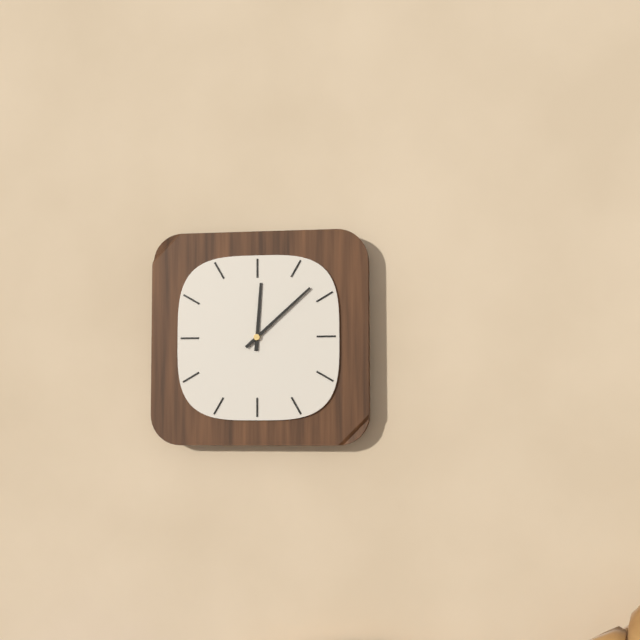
12:08
